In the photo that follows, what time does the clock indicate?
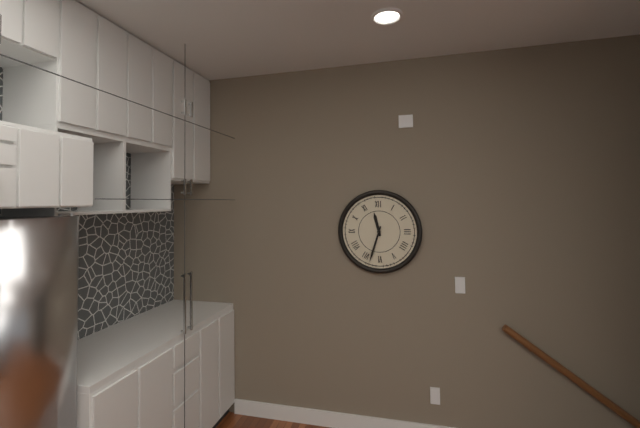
11:33
